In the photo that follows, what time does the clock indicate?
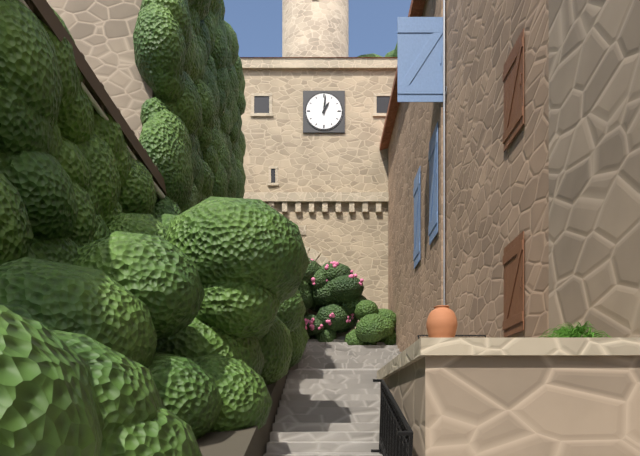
1:01
